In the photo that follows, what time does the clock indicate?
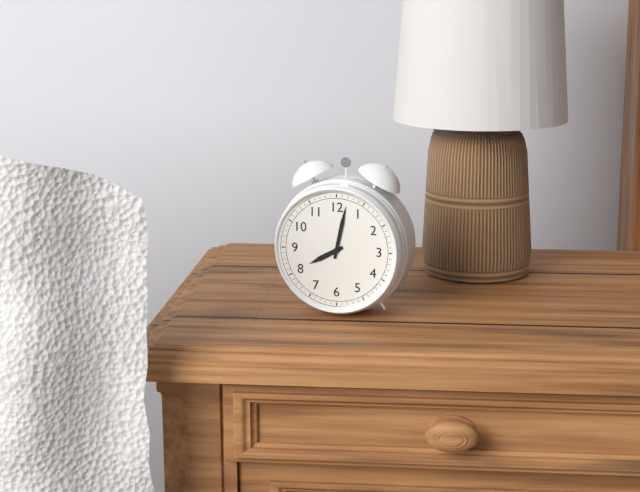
8:02
